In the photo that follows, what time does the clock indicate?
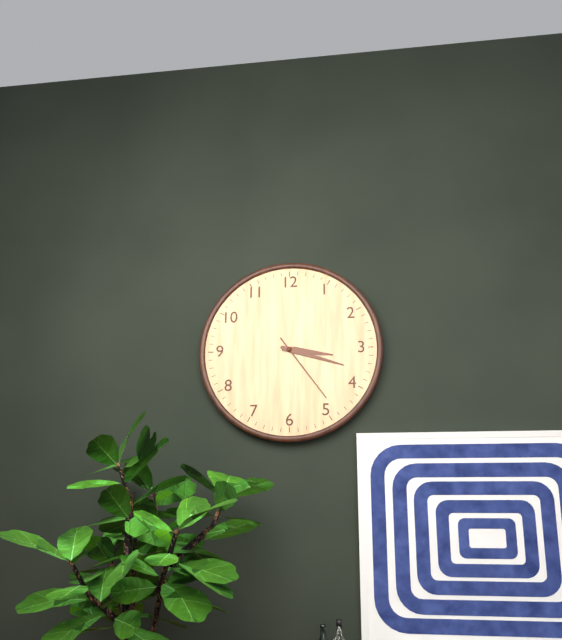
3:18:24
